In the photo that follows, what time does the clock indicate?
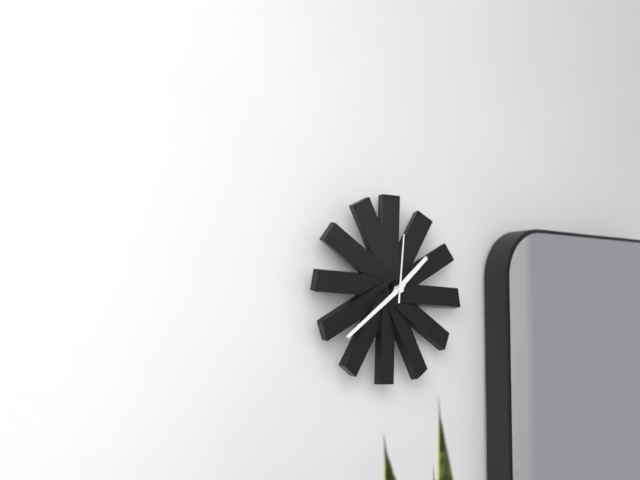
1:39:01
